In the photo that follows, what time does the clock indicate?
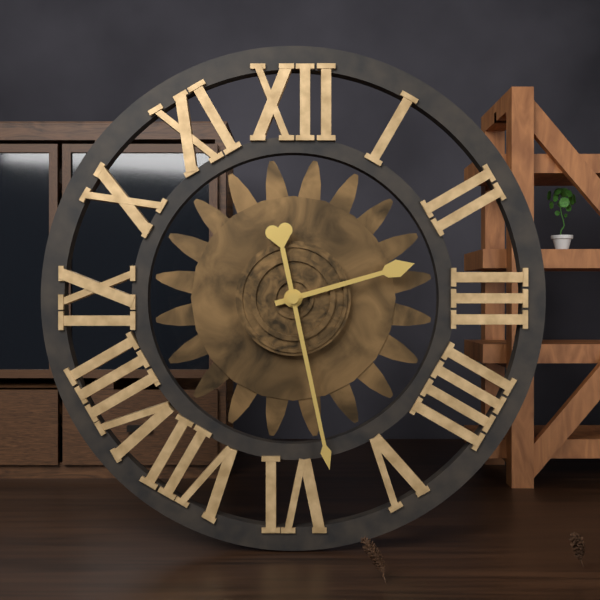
2:28
